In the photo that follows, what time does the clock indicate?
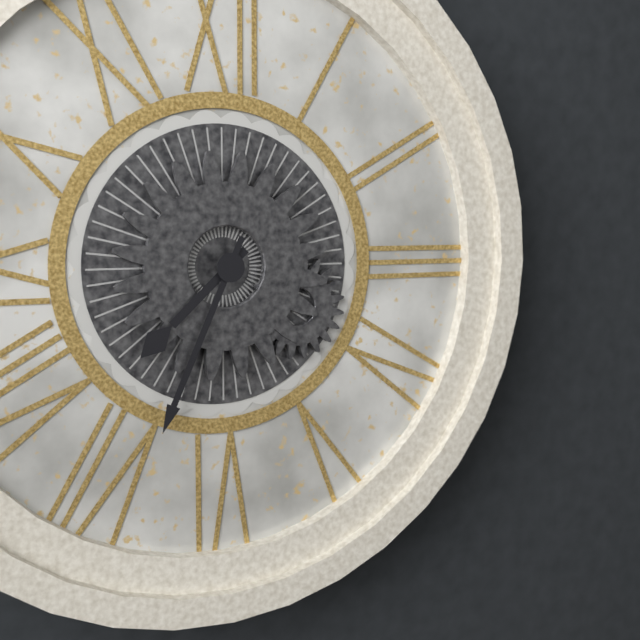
7:34
